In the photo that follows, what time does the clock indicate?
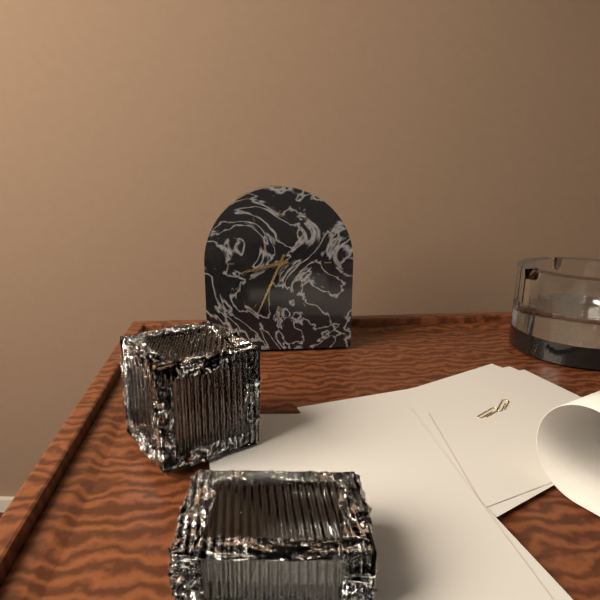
8:34
